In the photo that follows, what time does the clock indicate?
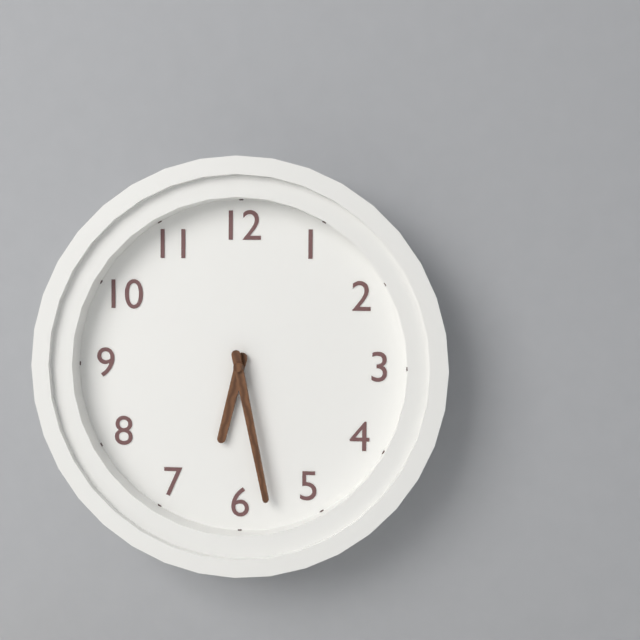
6:28
